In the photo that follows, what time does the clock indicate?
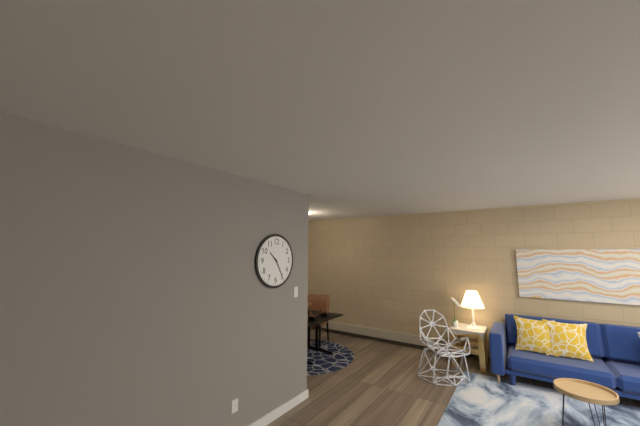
10:25
